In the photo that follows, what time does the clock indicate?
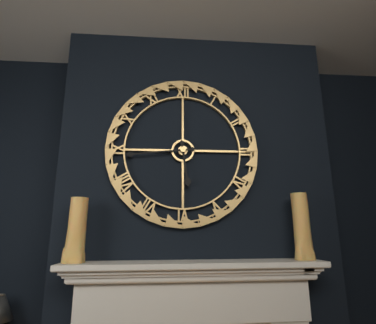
5:44
